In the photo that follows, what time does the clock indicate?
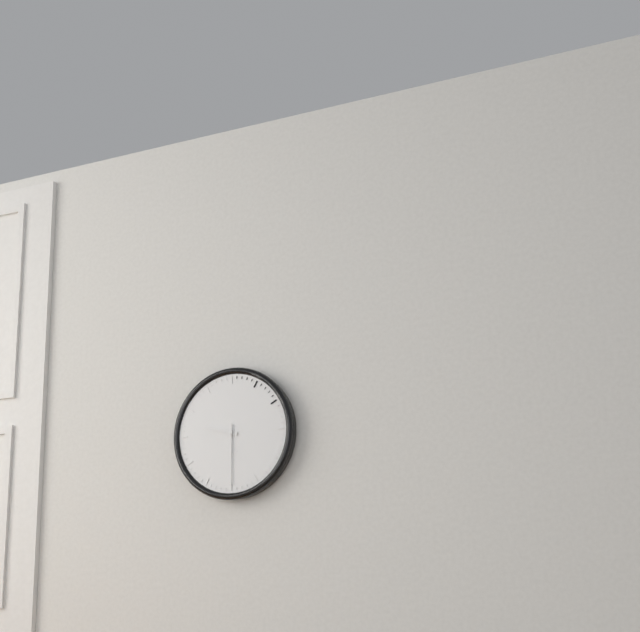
9:30
